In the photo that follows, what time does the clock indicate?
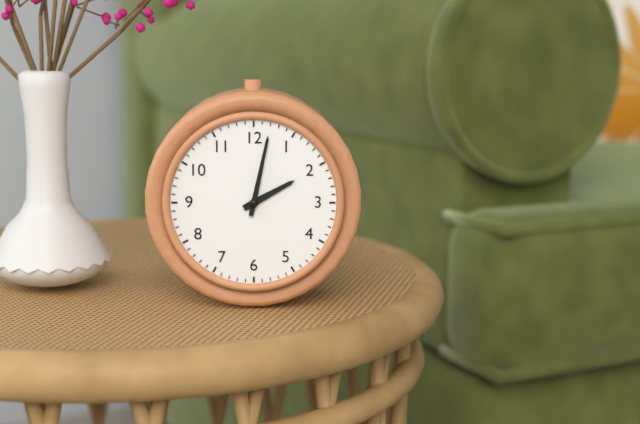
2:02
